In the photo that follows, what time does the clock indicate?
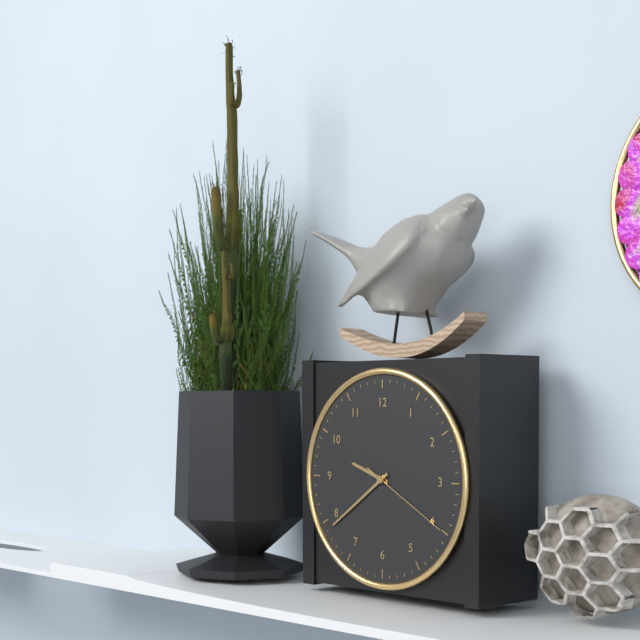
9:39:20
